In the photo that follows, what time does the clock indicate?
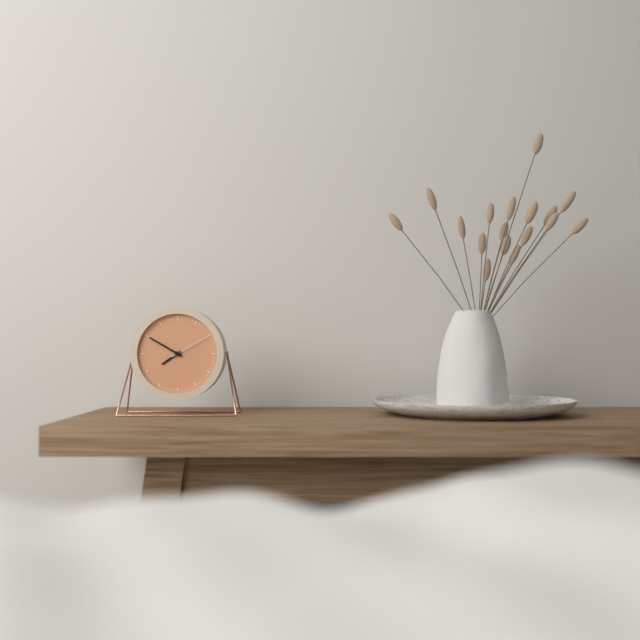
7:50
